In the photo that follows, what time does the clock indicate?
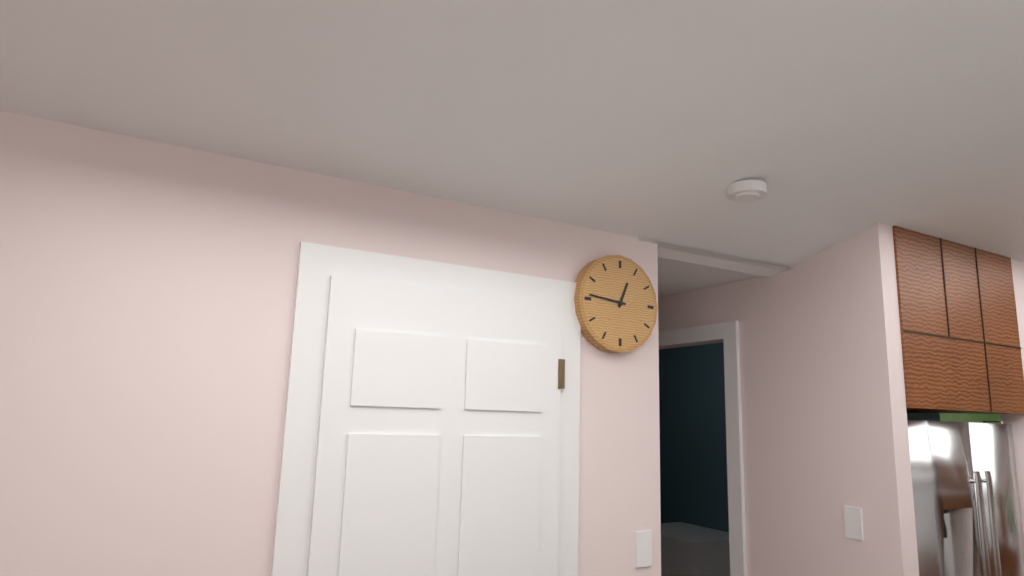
12:46
